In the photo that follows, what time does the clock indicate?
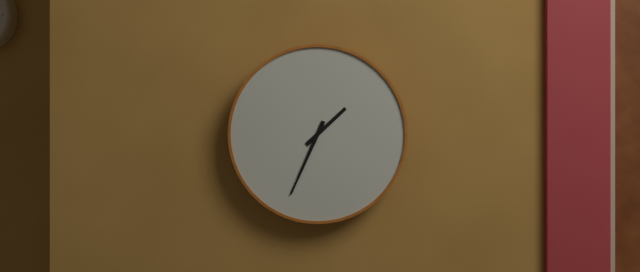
1:34
